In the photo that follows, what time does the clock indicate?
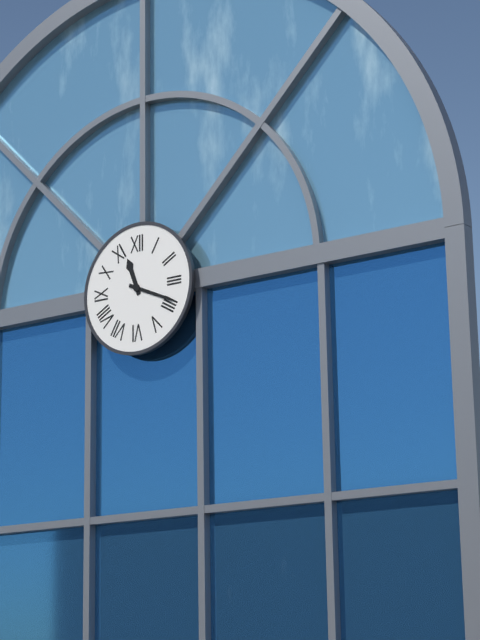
11:19
